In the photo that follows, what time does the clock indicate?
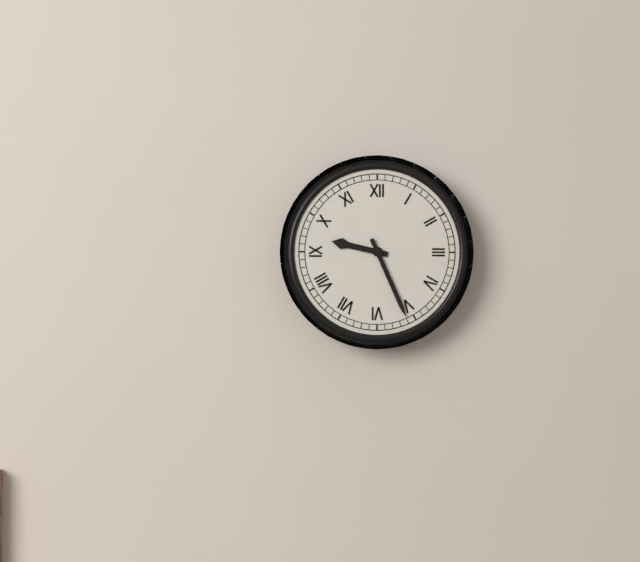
9:26
